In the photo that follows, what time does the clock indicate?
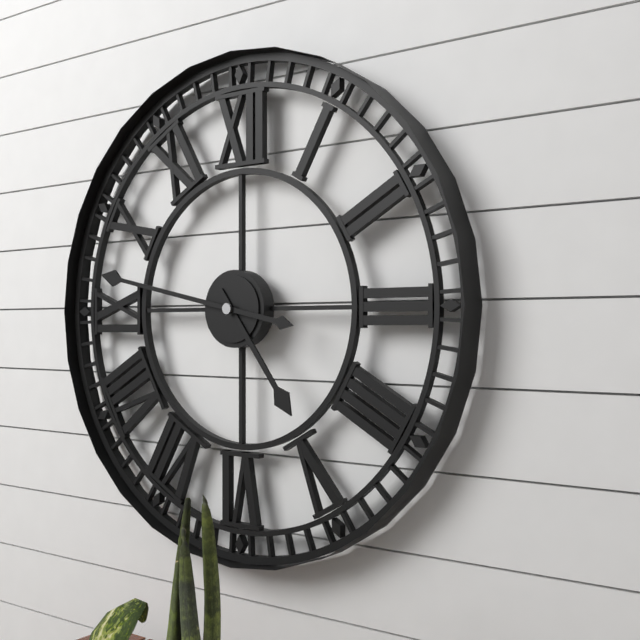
4:47
